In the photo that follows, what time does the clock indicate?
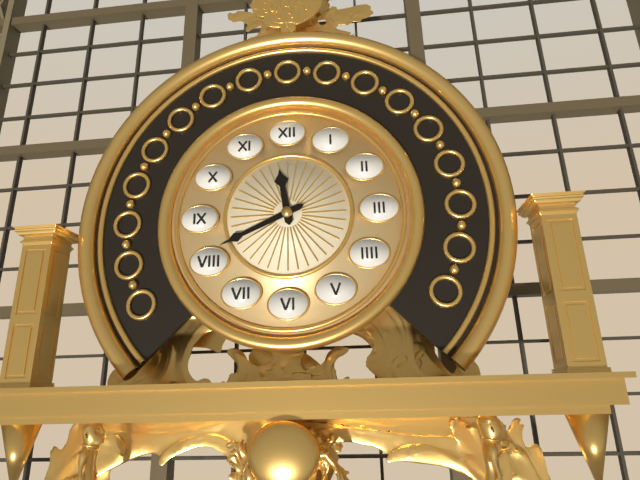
11:41
